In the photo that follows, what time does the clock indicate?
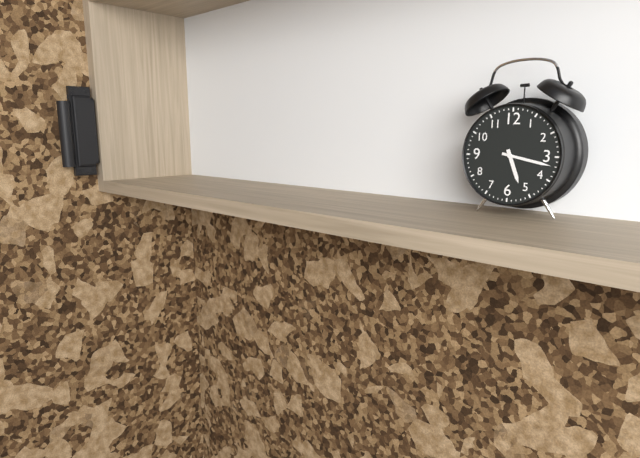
5:17
